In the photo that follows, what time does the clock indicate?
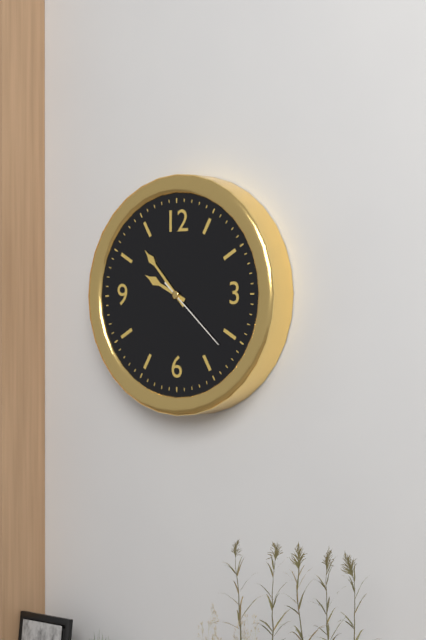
9:53:22
